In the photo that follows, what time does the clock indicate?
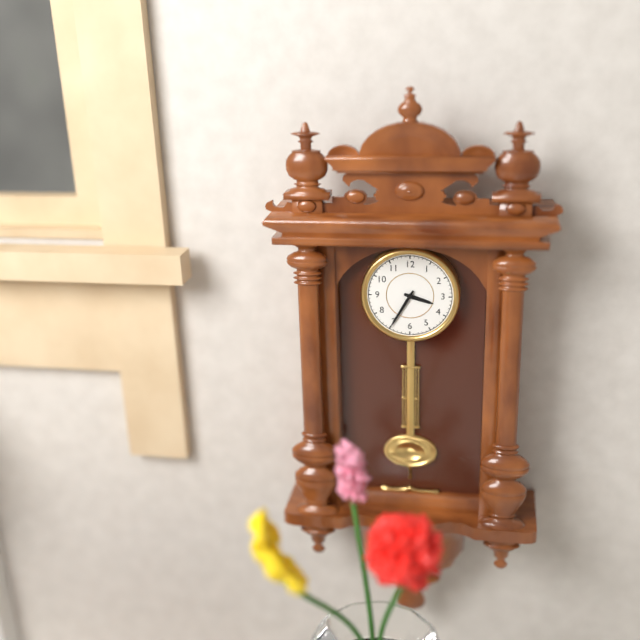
3:35
